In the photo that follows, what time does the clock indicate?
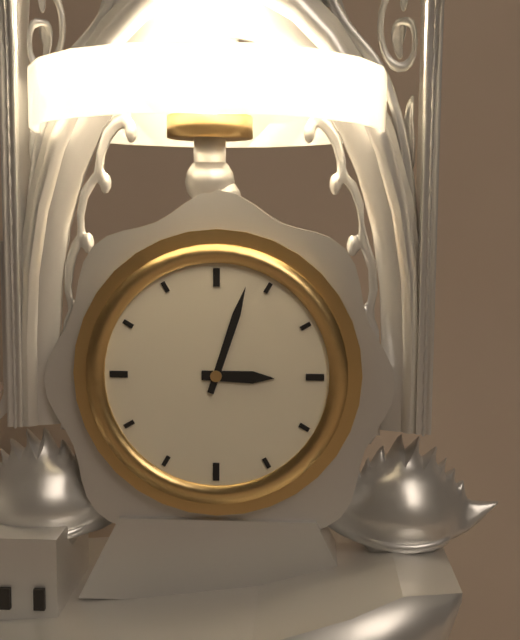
3:03
